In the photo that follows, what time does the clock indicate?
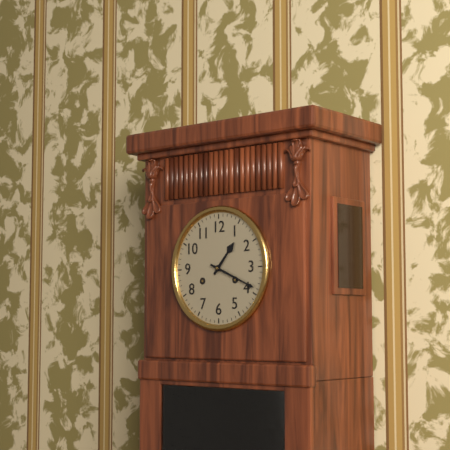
1:19
